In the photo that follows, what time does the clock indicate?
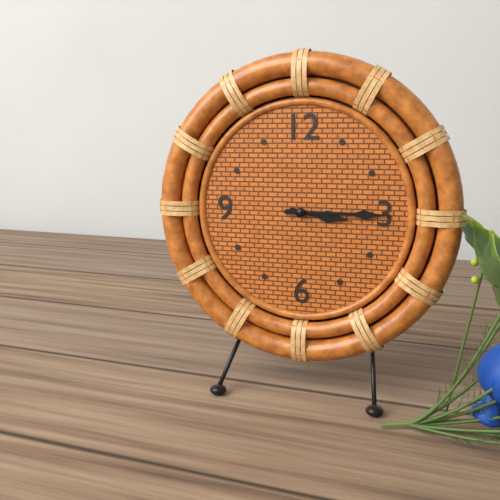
3:15
